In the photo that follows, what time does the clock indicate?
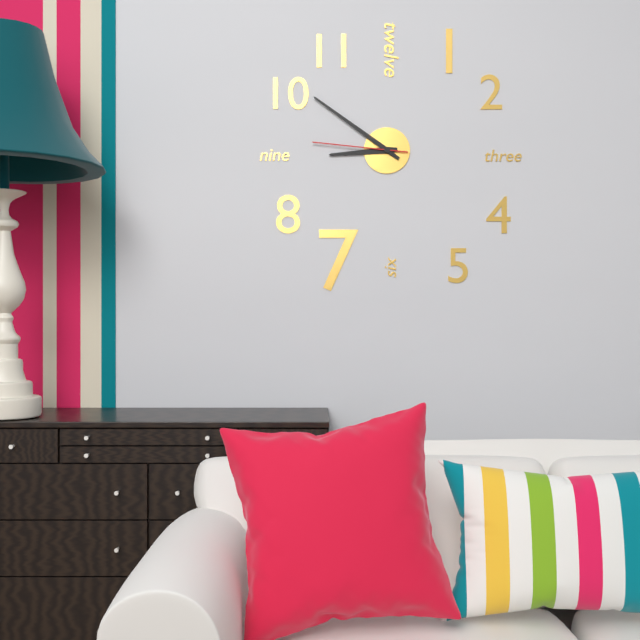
8:51:46
